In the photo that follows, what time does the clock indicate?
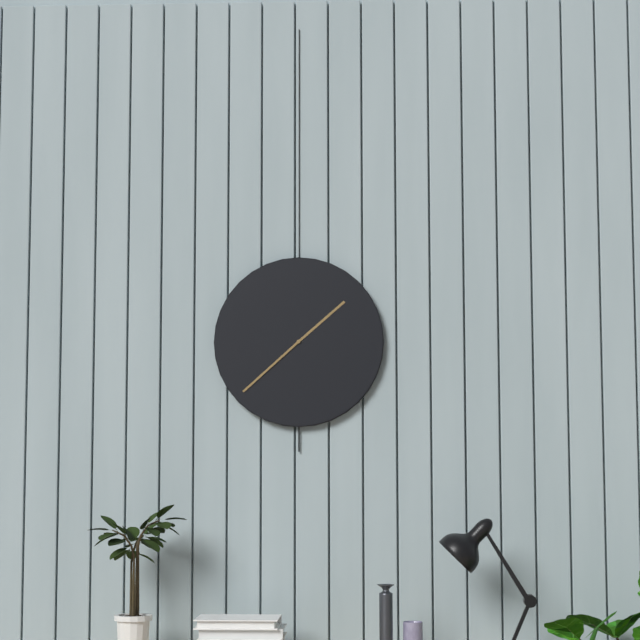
1:38
